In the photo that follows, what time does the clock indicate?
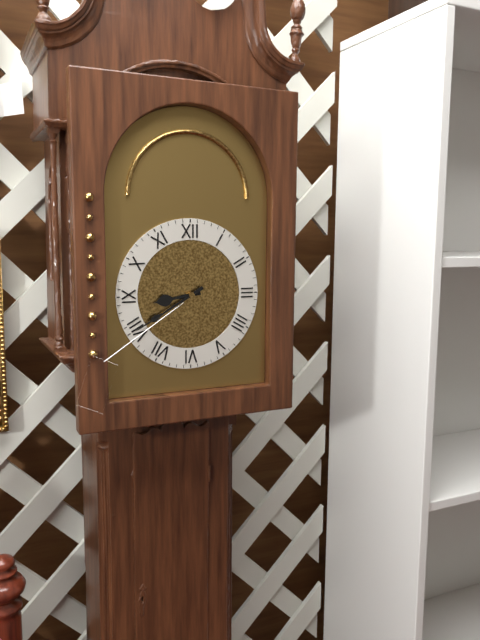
8:40
